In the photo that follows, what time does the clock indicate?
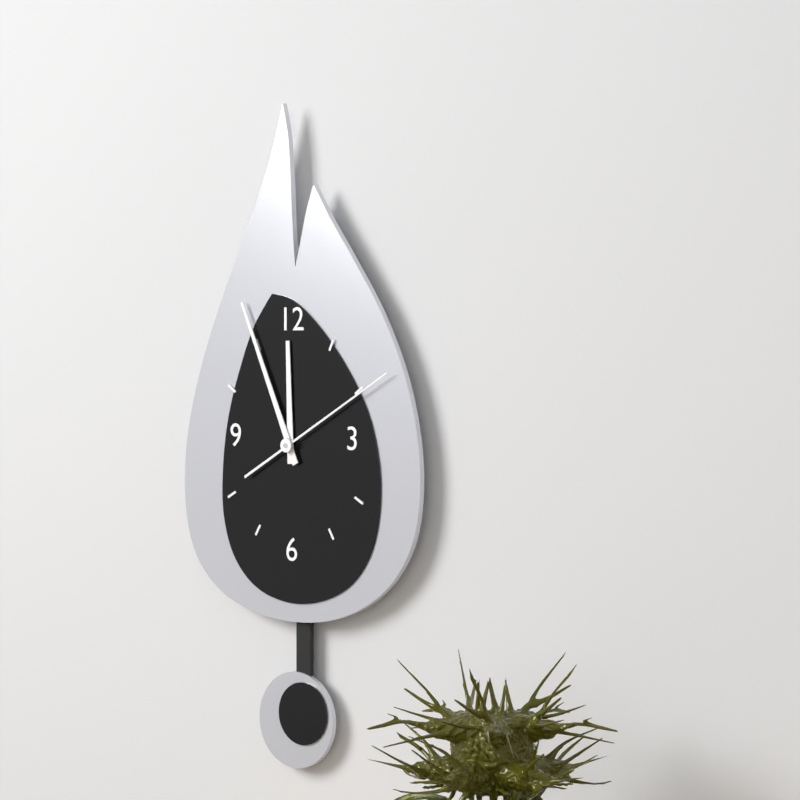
11:56:10
